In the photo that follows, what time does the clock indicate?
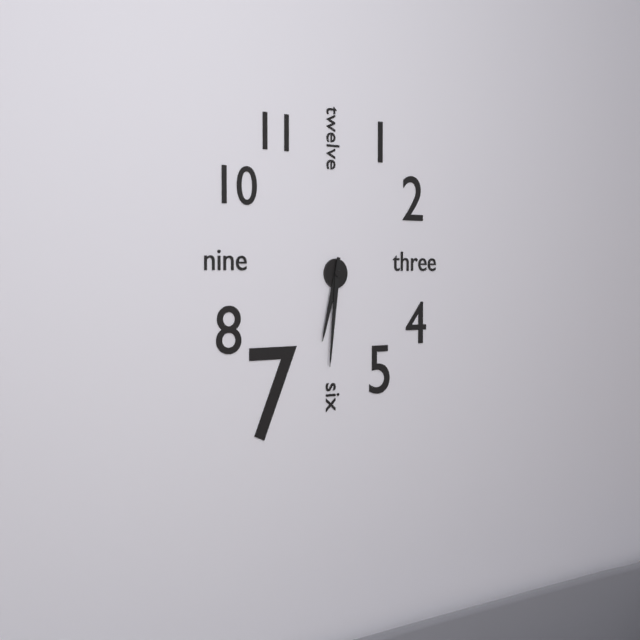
6:31
